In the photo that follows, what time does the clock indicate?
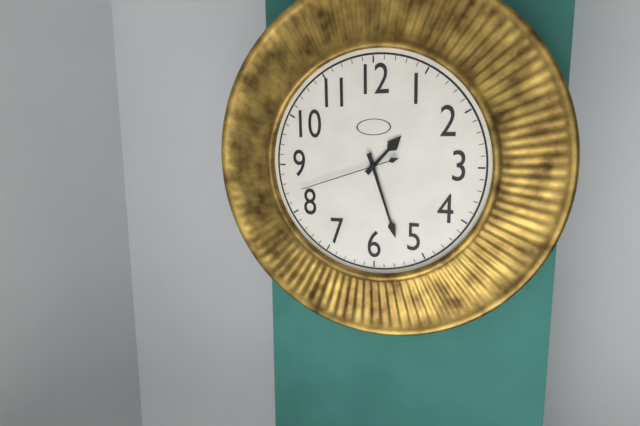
1:27:42
